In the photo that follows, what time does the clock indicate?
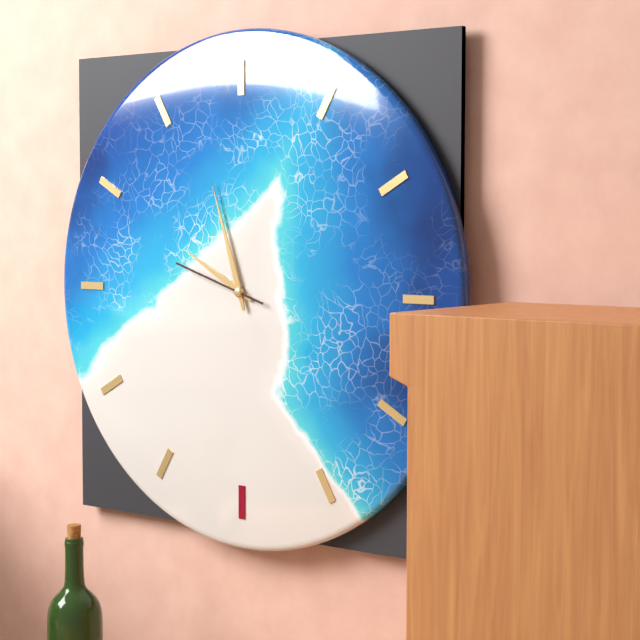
9:57:48
